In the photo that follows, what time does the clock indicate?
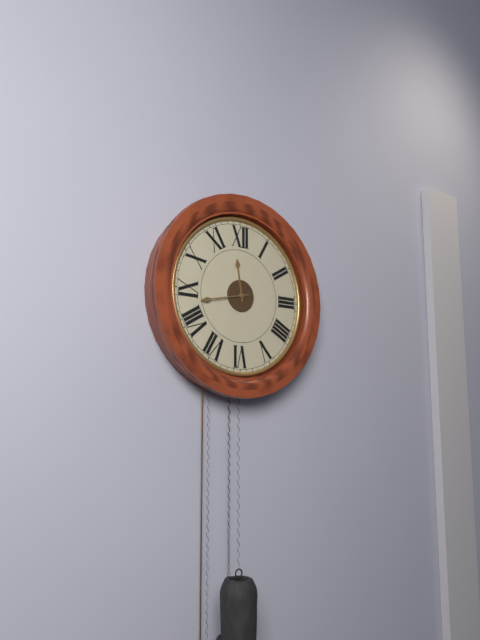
11:43
